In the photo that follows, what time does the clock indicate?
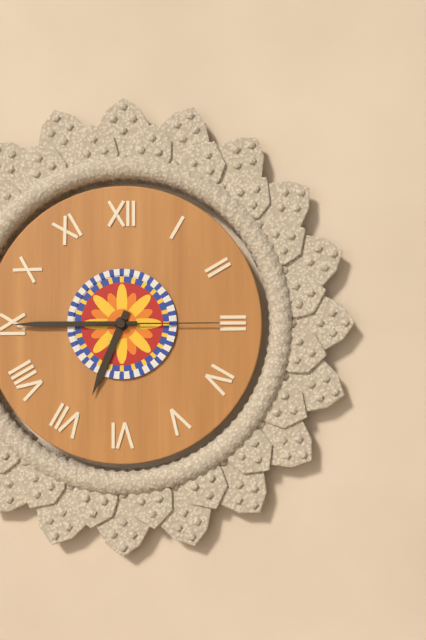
6:45:15
